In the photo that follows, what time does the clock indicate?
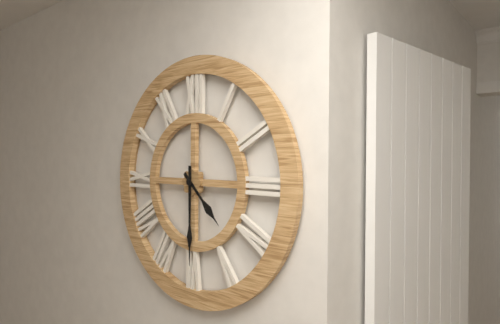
4:30
